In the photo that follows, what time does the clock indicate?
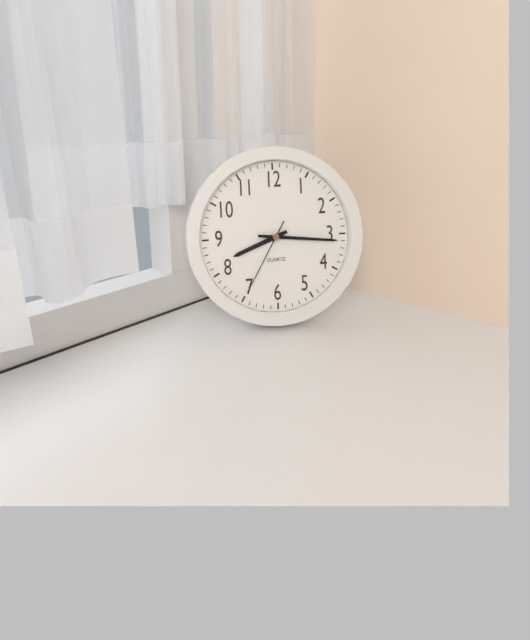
8:16:35
